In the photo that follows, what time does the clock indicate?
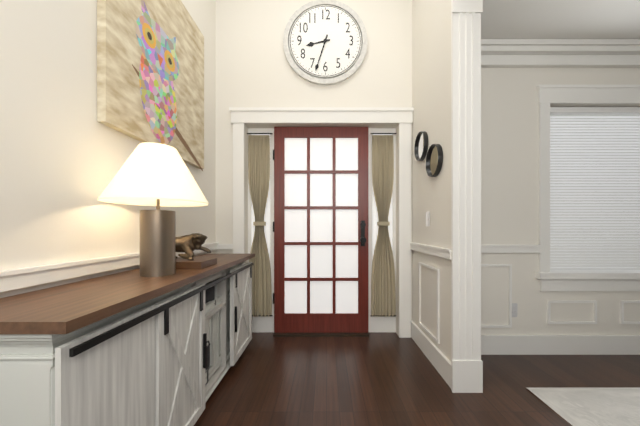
8:33
